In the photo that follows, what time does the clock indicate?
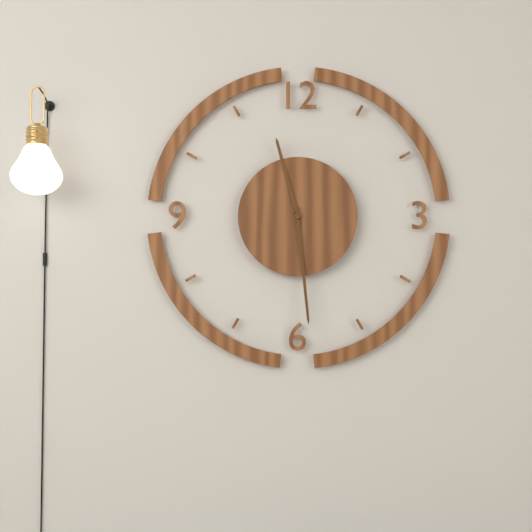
11:29
